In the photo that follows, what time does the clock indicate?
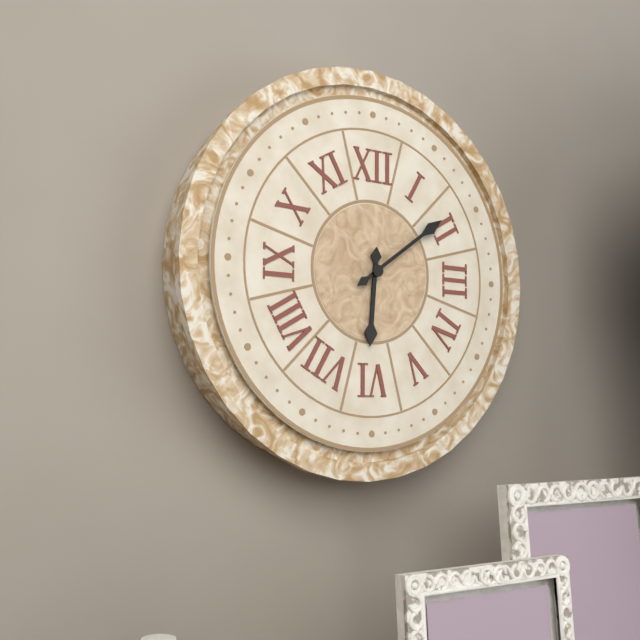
6:09
